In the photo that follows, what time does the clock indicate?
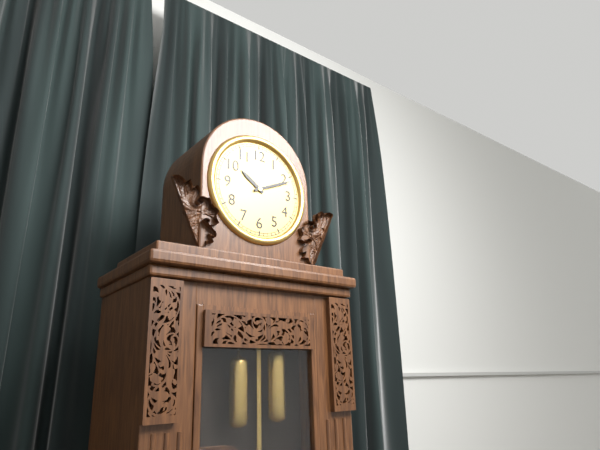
10:11
